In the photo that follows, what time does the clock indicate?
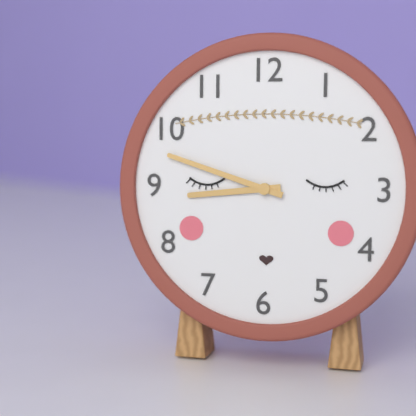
8:48
